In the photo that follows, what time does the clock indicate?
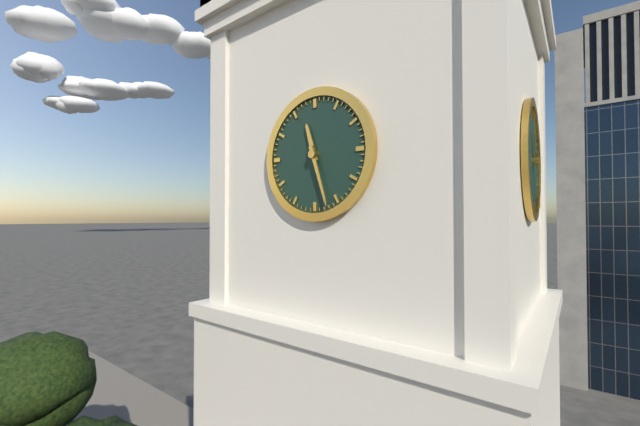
11:27
